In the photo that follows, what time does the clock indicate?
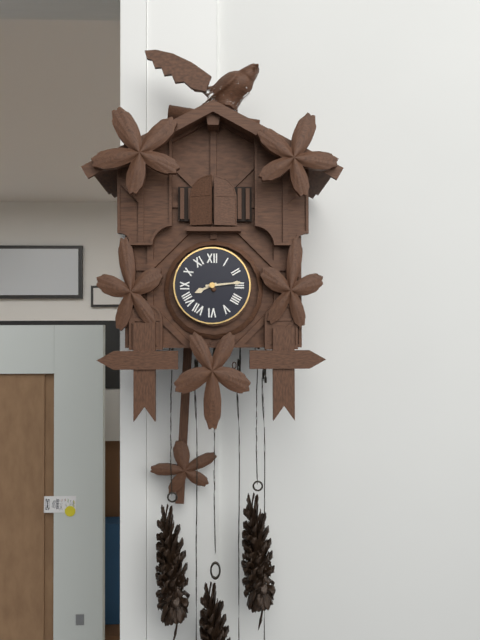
8:14
